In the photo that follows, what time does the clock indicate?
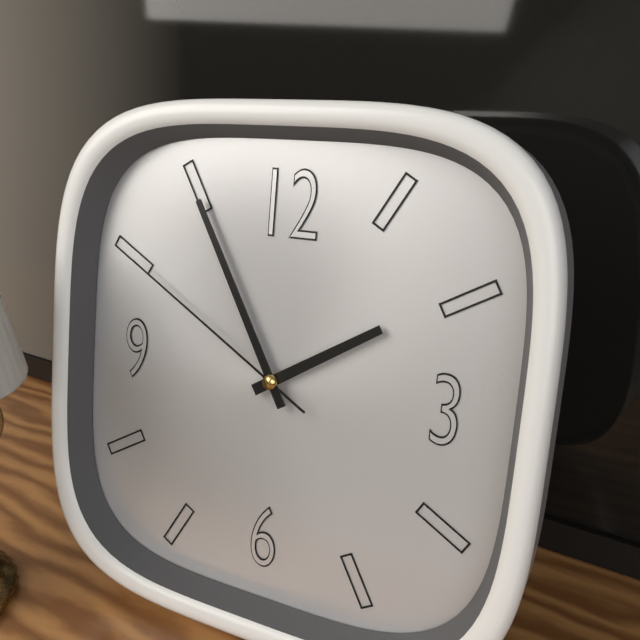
1:55:50
